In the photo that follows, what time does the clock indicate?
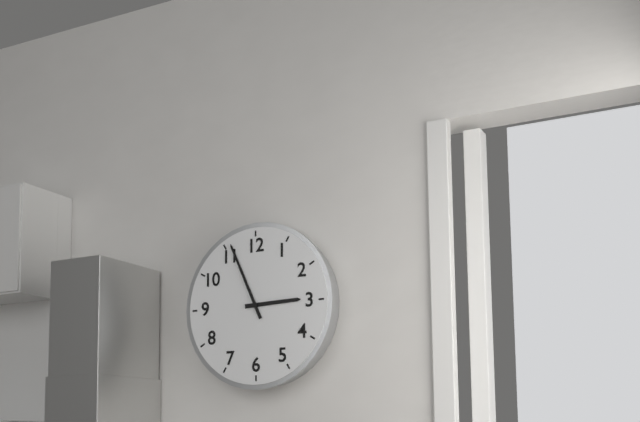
2:56
